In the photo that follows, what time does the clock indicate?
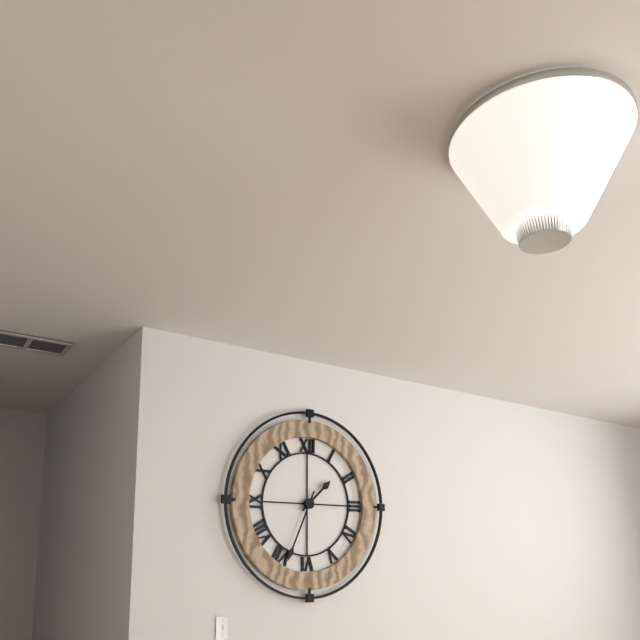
1:34
